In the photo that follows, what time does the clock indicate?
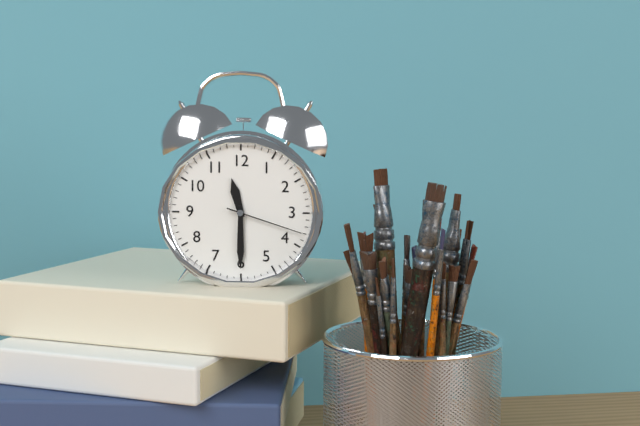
11:30:18
